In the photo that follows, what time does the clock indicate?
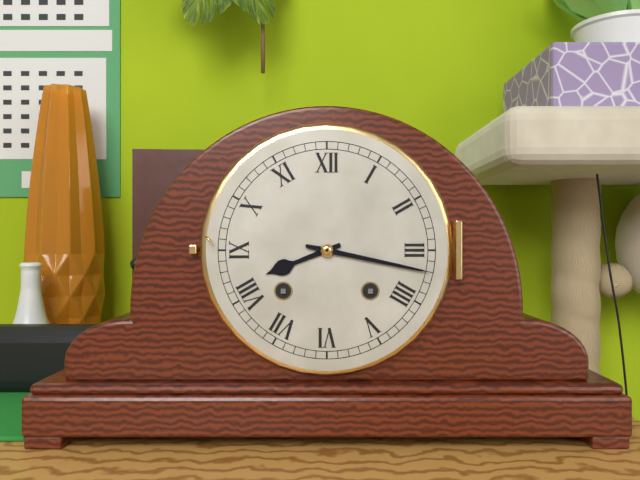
8:17
